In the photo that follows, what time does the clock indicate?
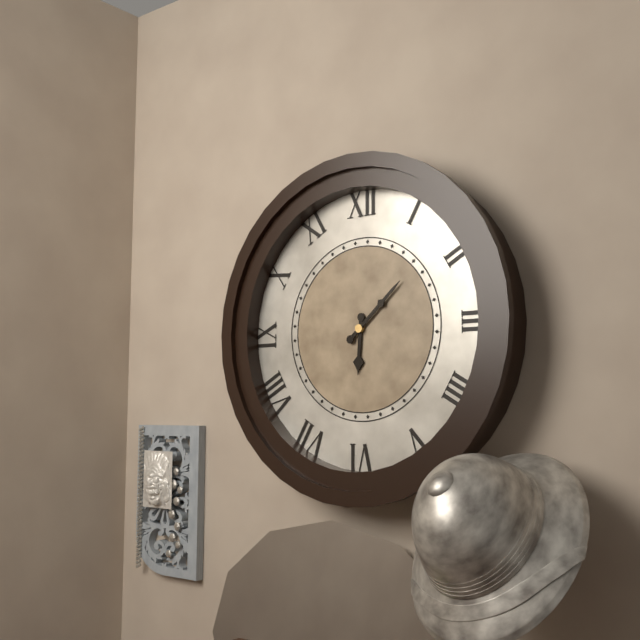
6:08
